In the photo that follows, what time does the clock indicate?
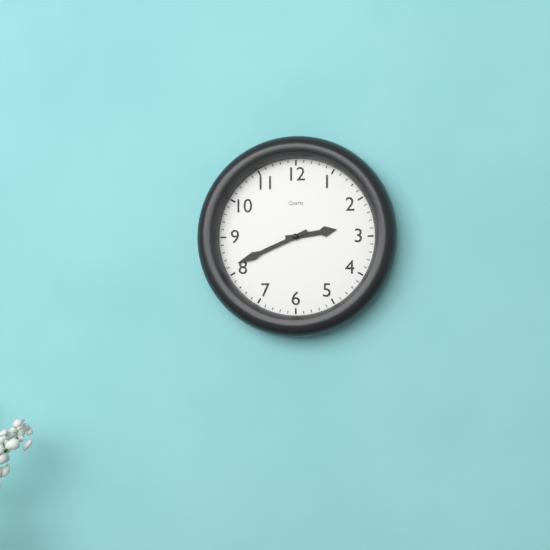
2:41
